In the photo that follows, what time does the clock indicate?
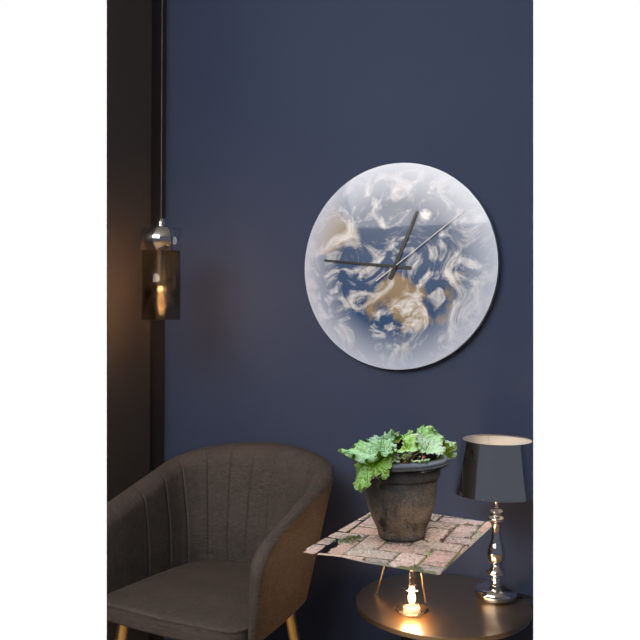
12:46:09
